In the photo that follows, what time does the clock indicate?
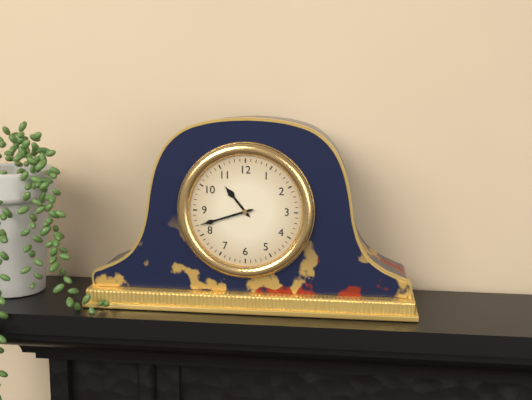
10:42
